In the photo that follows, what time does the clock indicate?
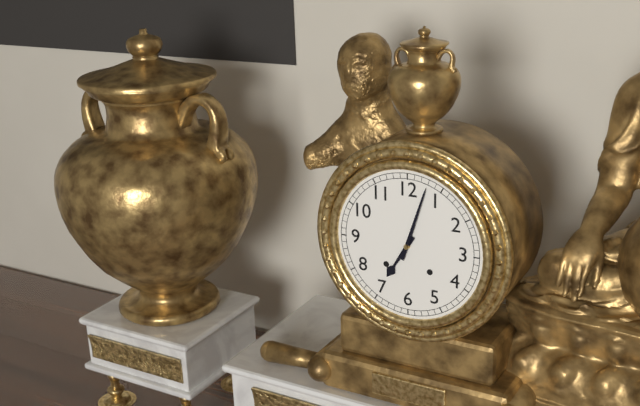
7:03
